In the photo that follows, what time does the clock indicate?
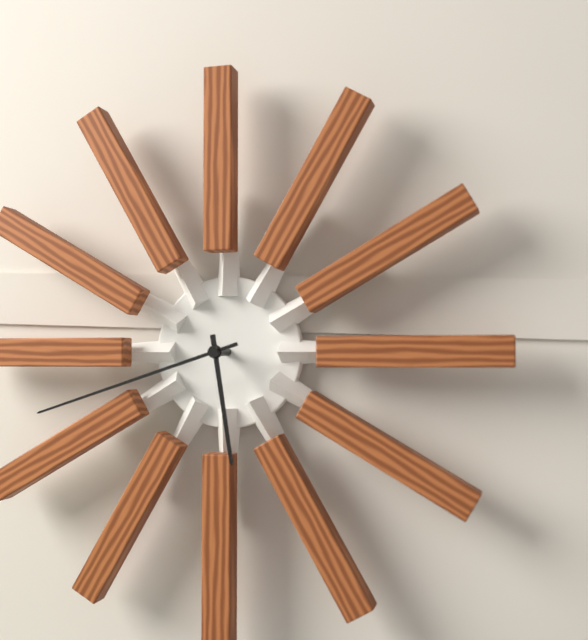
5:42
